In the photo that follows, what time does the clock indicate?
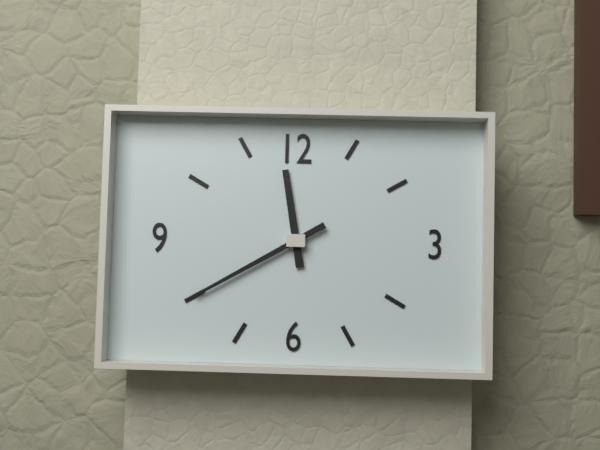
11:40
